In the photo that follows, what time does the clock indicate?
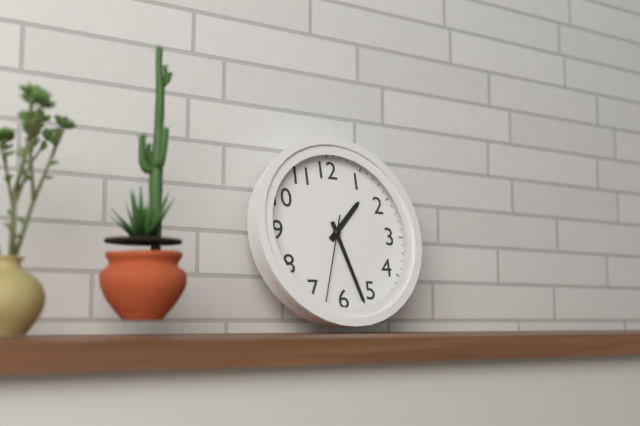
1:27:33
